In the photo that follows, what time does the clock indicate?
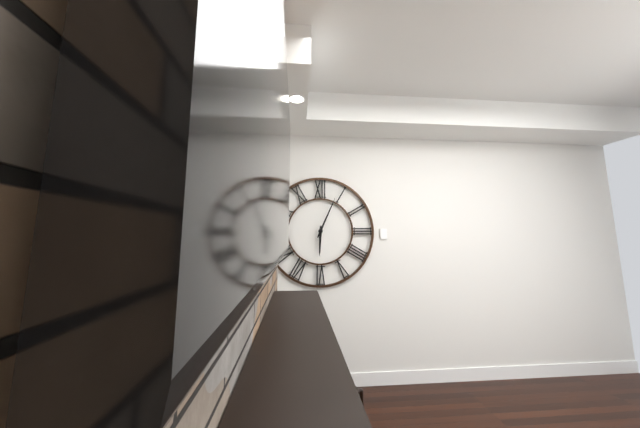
6:04
